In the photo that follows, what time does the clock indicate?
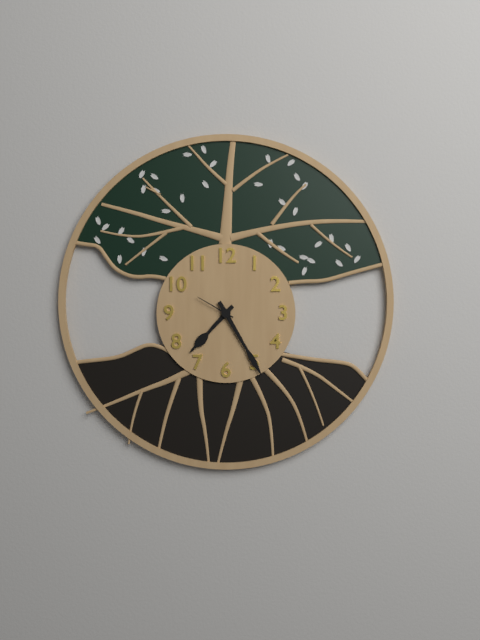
7:25
